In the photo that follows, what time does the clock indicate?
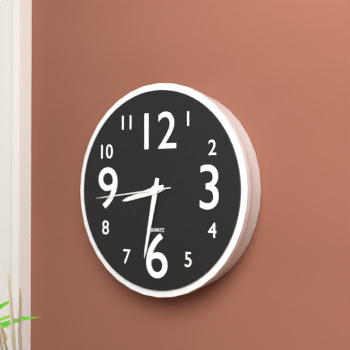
8:32:44
